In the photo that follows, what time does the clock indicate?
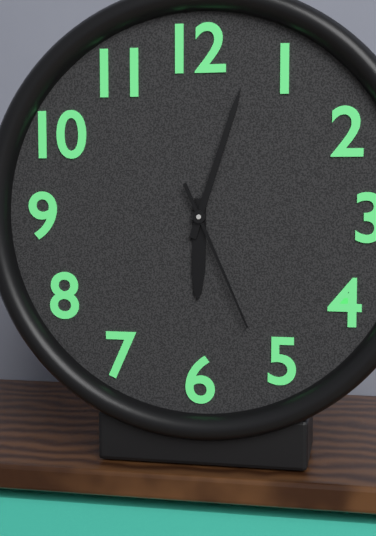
6:03:26
